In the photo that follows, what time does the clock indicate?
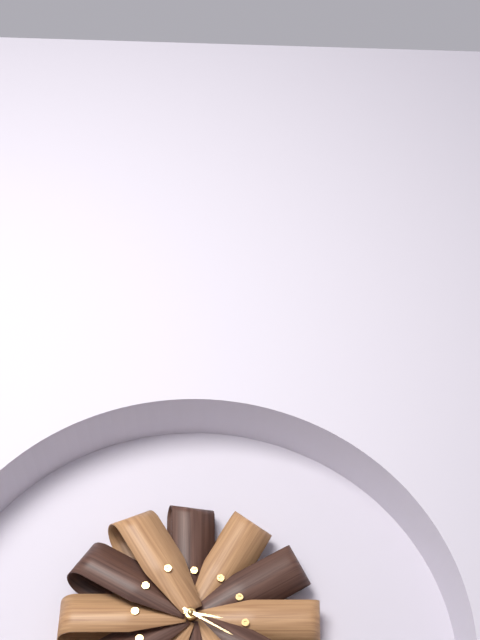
3:20
